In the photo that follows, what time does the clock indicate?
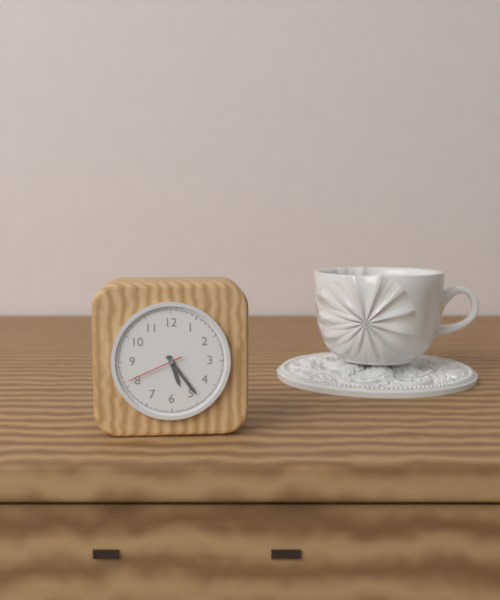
5:24:41
